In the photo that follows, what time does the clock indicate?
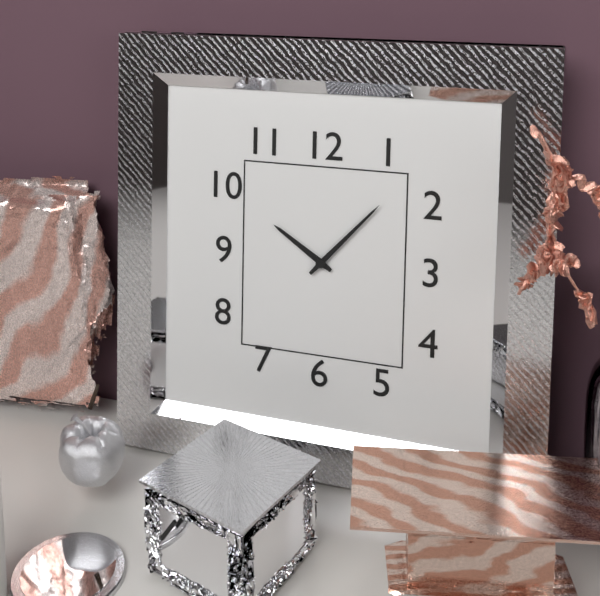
10:07
